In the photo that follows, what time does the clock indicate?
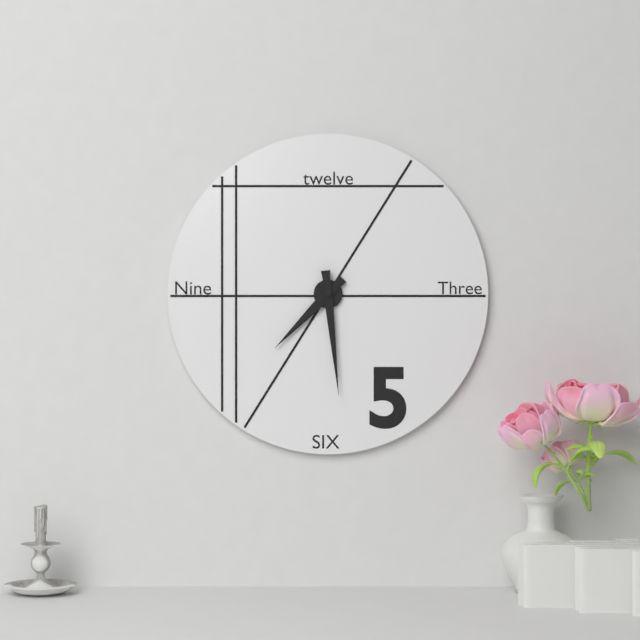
7:29
